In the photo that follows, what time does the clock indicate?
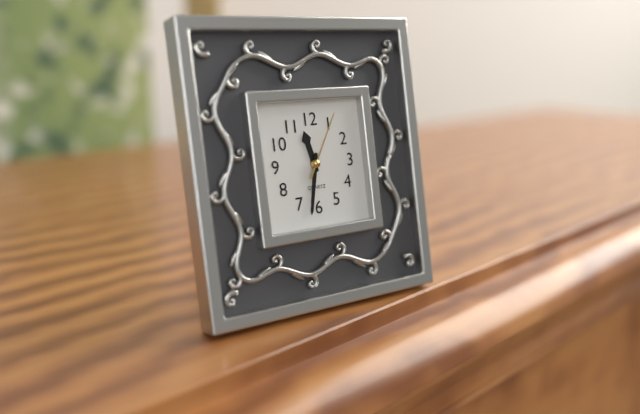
11:32:05
